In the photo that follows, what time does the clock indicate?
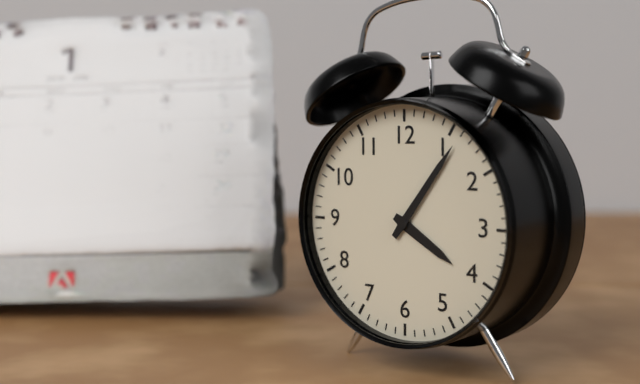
4:06
